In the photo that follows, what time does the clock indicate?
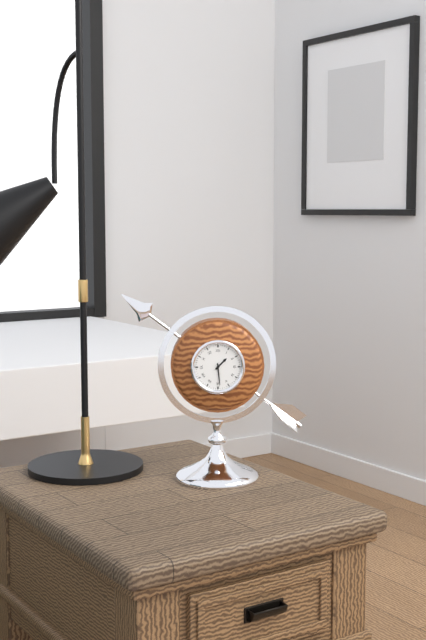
1:29
